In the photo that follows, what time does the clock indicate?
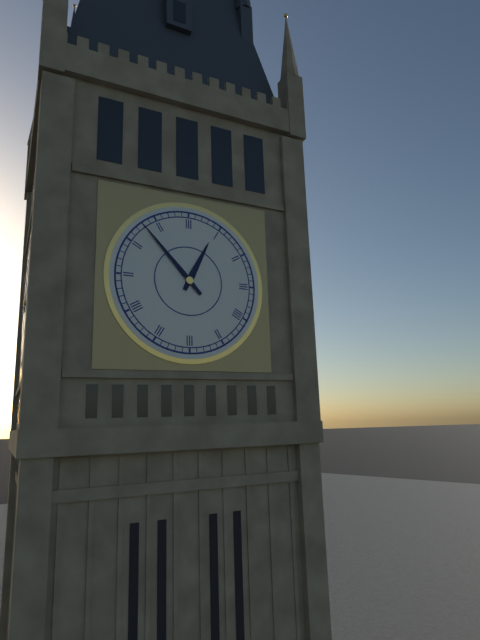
12:53
